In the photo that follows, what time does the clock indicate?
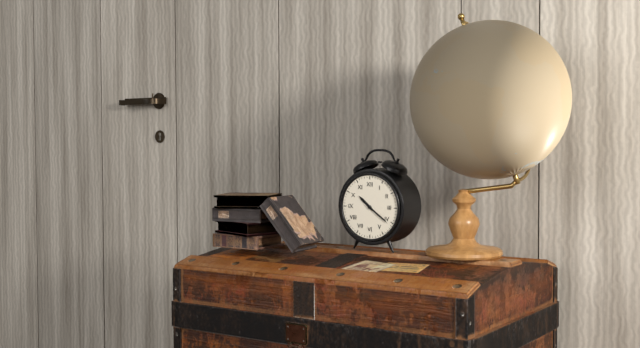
10:21
